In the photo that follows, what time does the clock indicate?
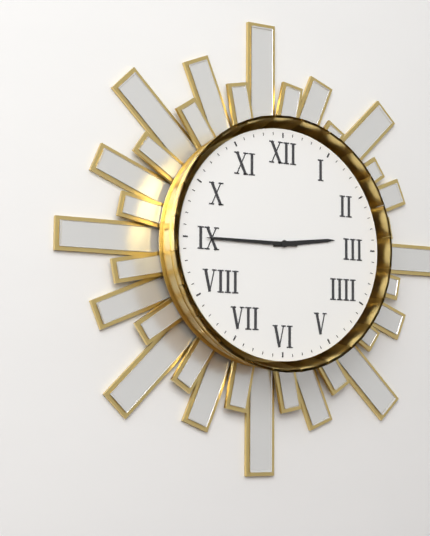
2:45
